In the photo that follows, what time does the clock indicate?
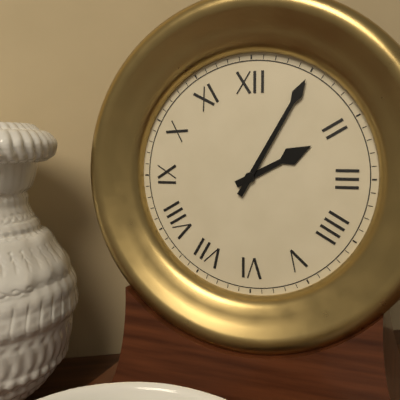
2:05
